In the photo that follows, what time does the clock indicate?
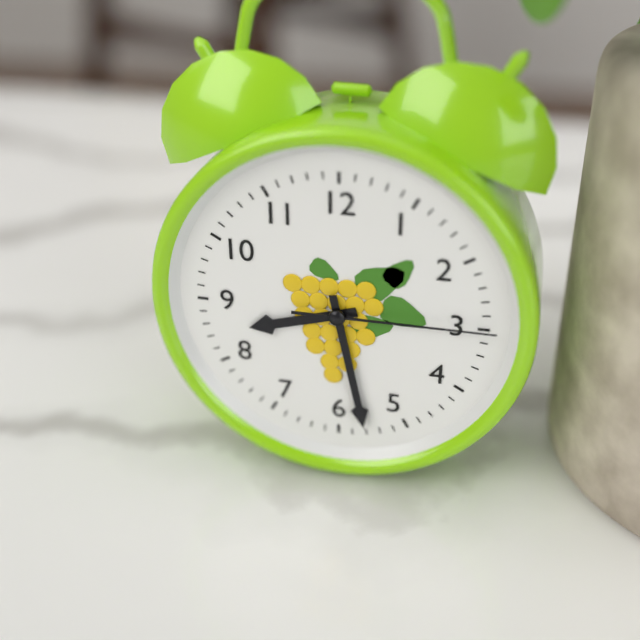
8:28:15
